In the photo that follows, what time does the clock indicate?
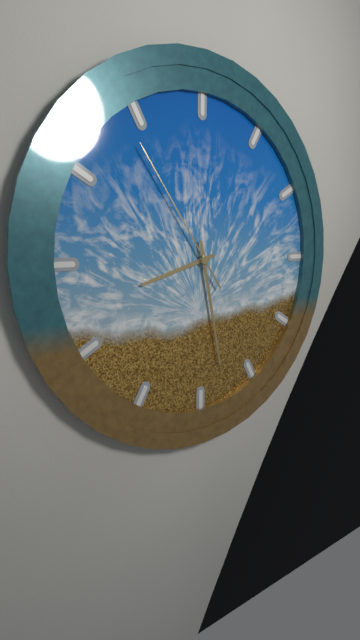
8:28:54
